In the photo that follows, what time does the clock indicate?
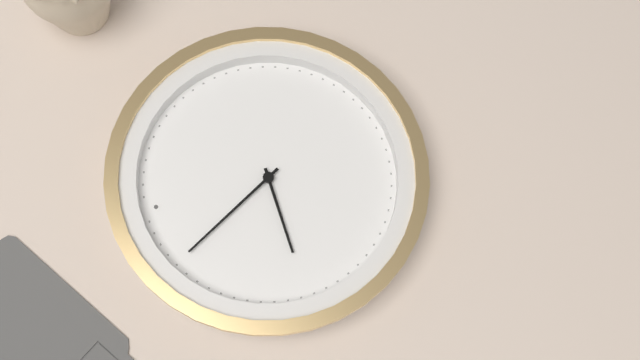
8:55
